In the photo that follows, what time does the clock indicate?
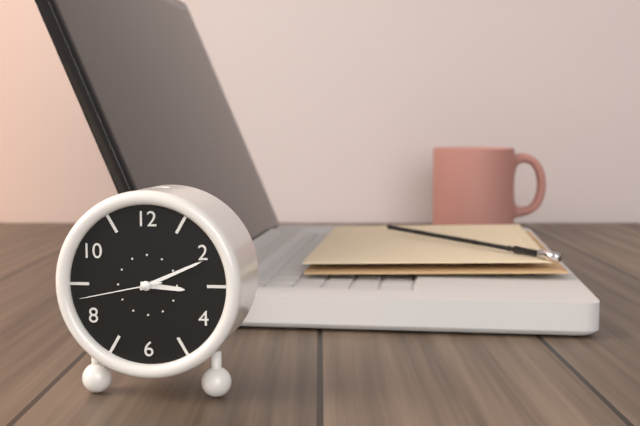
3:11:43
